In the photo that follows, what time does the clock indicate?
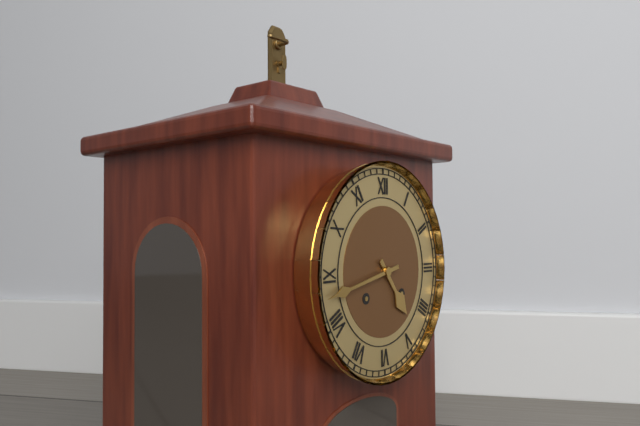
4:43
